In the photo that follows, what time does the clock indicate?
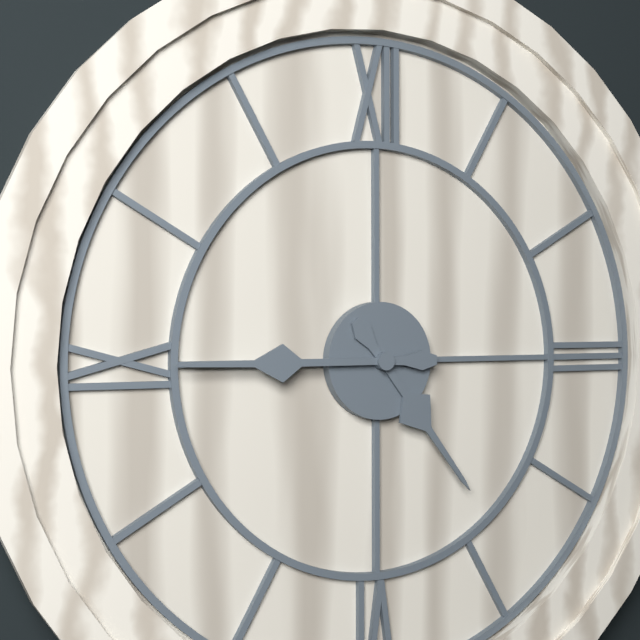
4:45
